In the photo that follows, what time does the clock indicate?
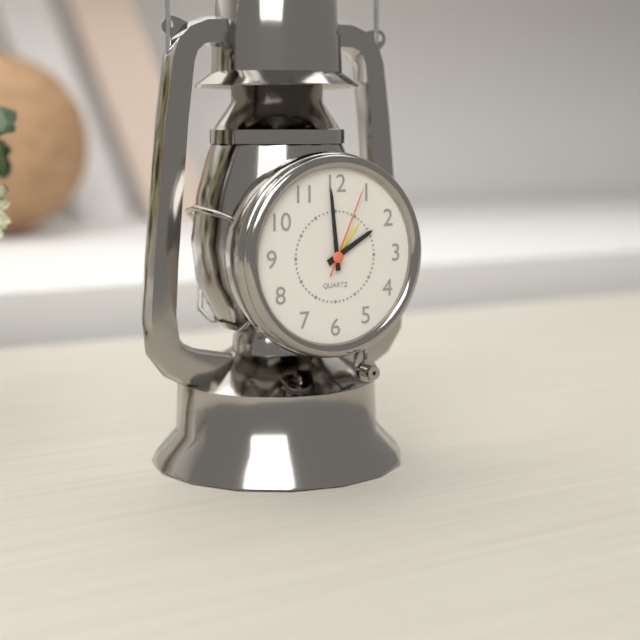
1:59:04
